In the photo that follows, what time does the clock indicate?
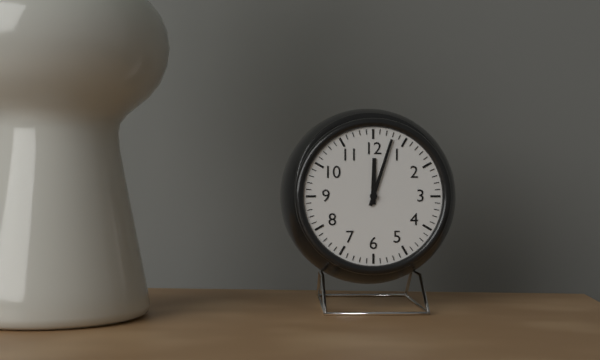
12:03
